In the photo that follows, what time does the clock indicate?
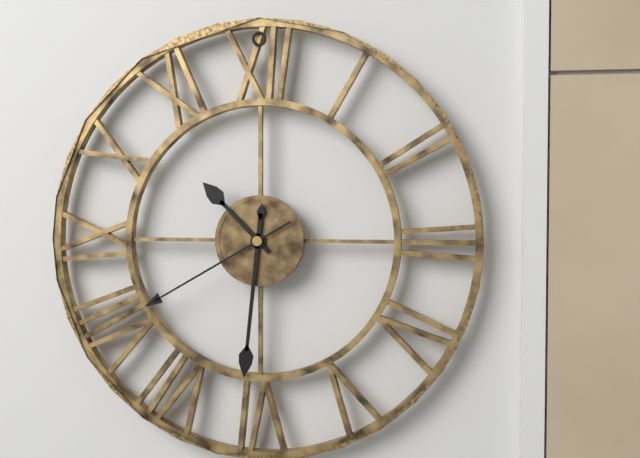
10:31:40
